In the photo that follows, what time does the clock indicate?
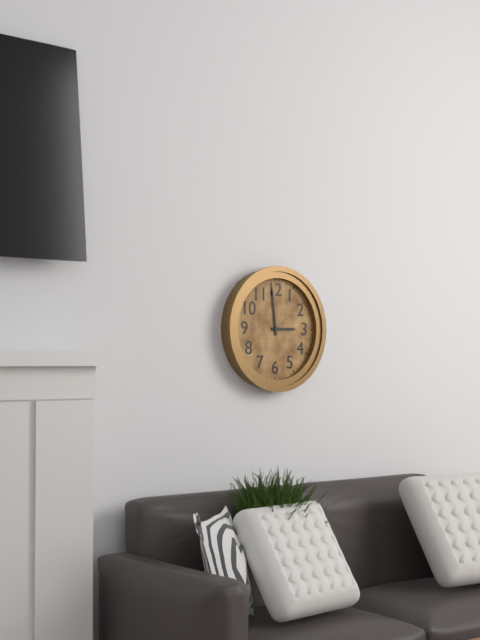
2:59
